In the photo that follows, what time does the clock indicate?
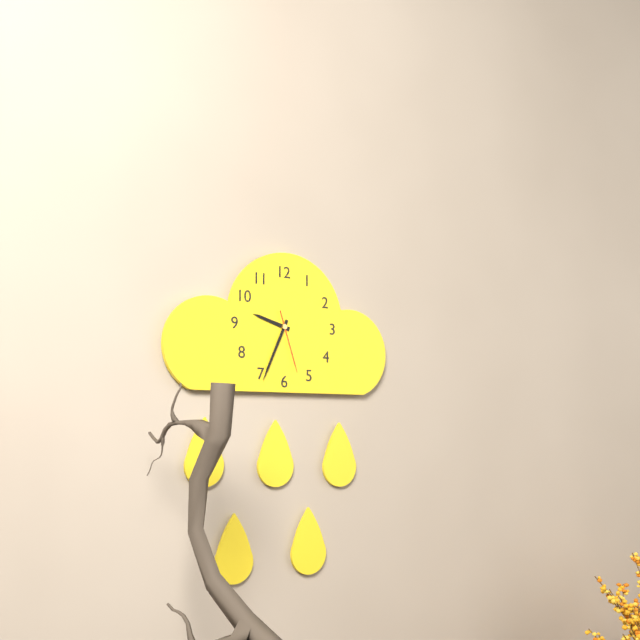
9:34:27
